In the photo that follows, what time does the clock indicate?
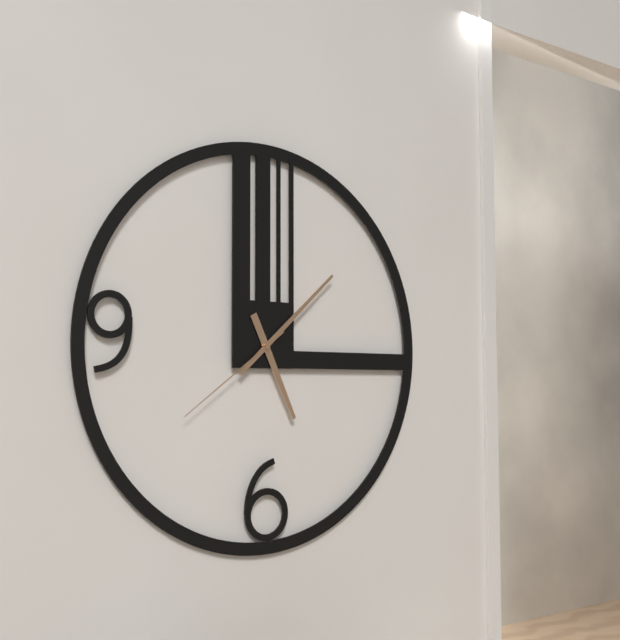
5:08:39
